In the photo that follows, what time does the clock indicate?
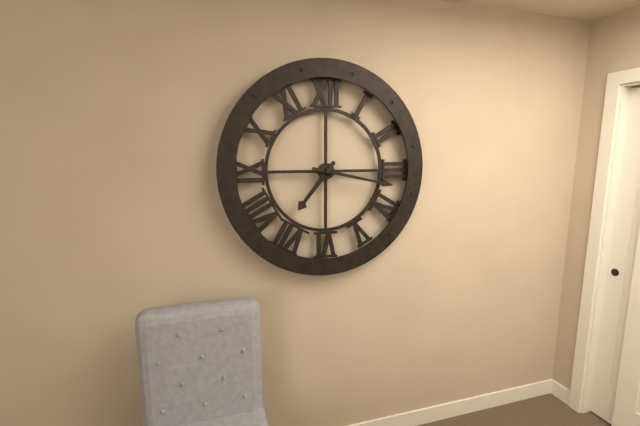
7:17
